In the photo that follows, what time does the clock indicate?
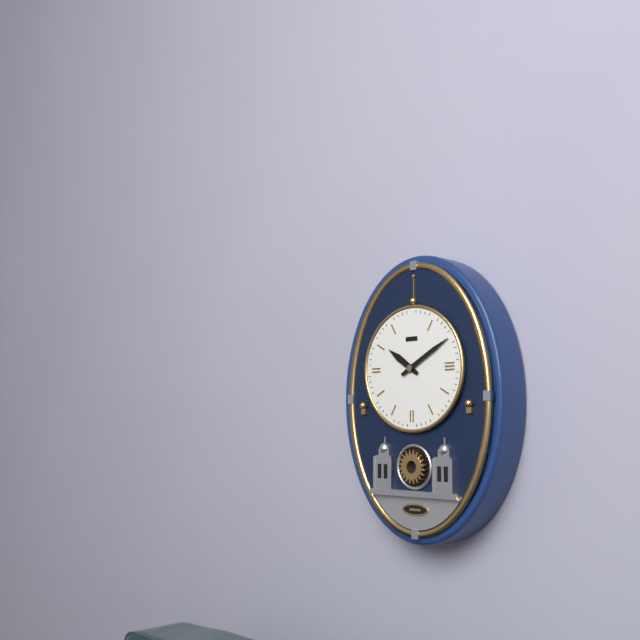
10:10
